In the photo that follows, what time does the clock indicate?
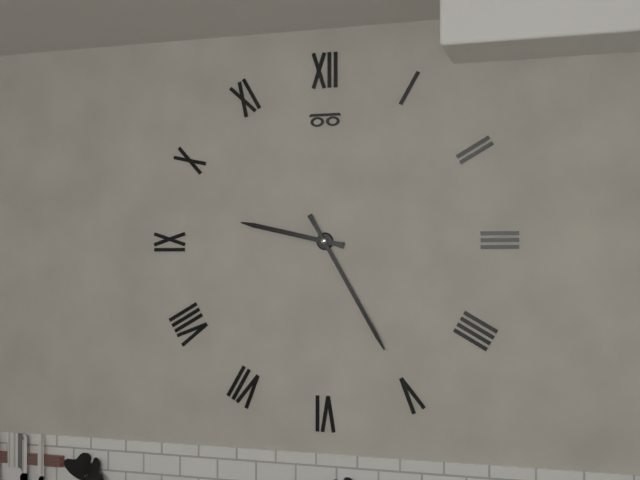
9:25
